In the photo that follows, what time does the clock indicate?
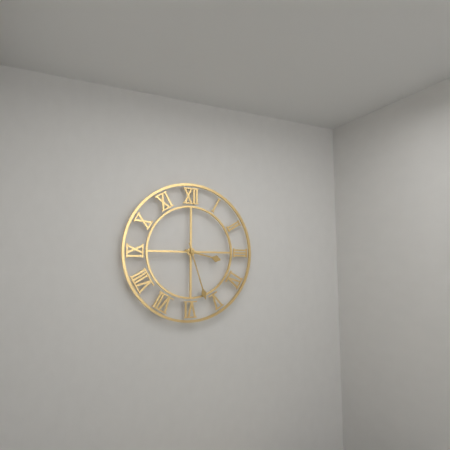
3:27
